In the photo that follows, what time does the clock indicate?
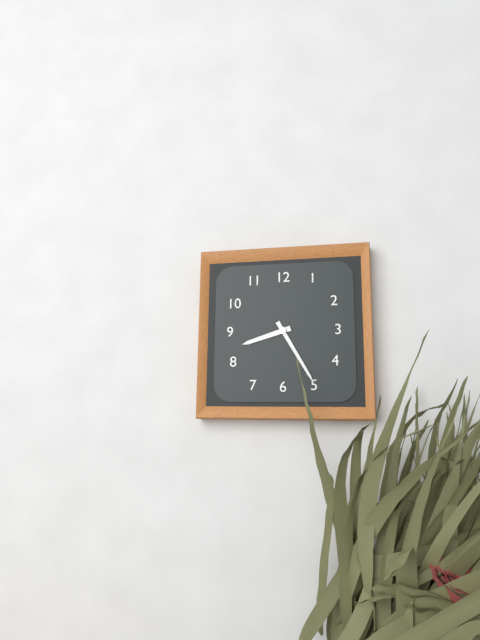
8:25
